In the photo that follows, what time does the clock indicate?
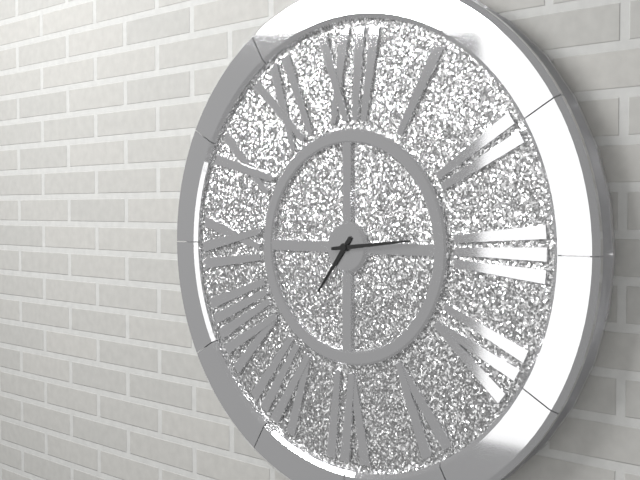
7:14
